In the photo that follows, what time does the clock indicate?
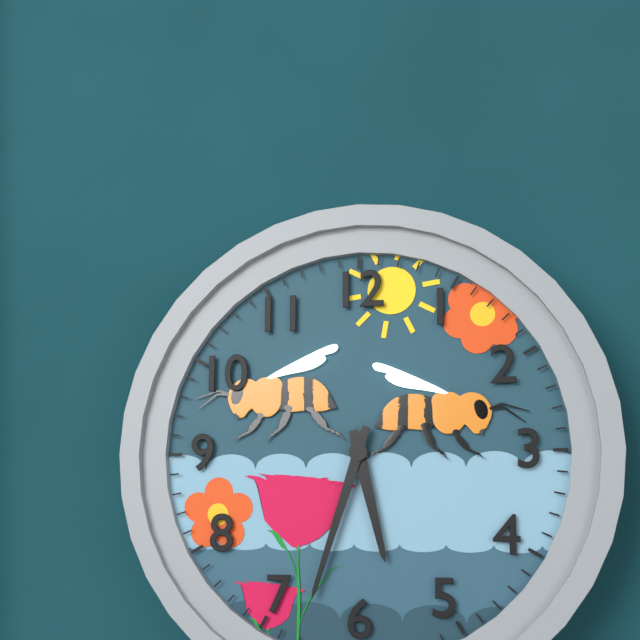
5:33
